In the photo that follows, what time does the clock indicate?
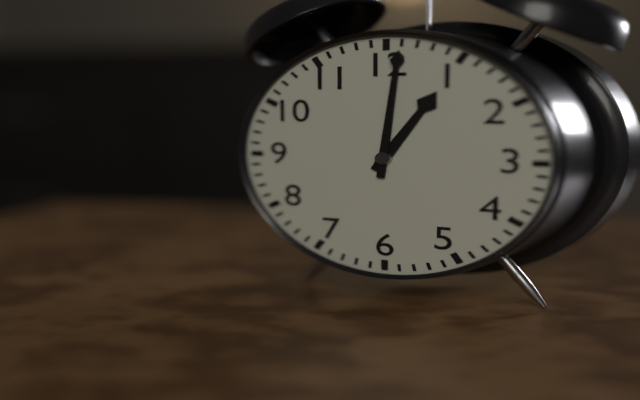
1:01
